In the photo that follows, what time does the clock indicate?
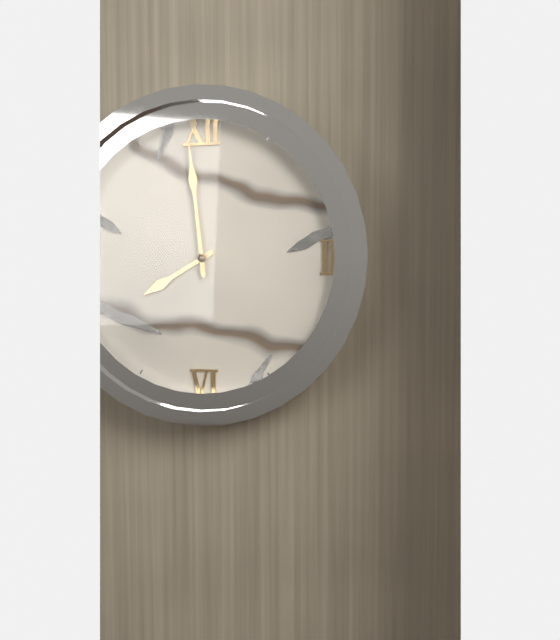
7:59
